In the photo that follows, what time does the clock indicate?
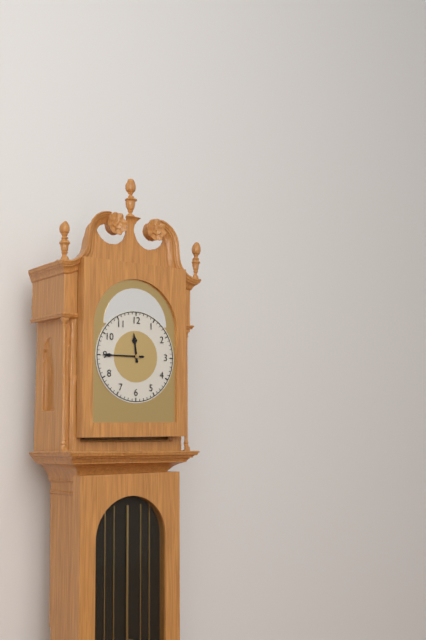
11:45
